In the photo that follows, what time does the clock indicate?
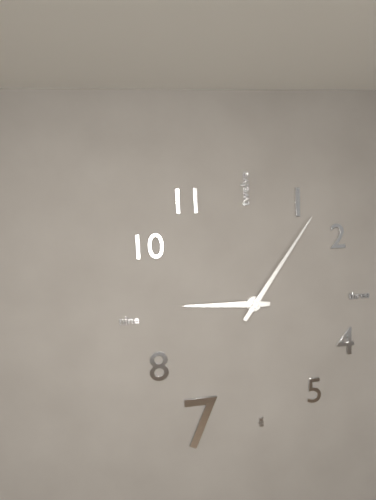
9:06
